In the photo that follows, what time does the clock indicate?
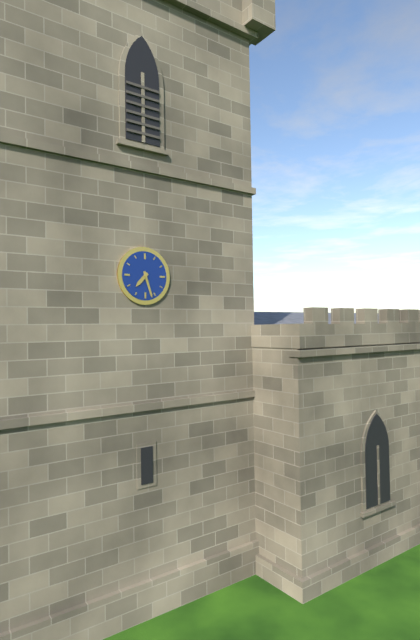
7:27
